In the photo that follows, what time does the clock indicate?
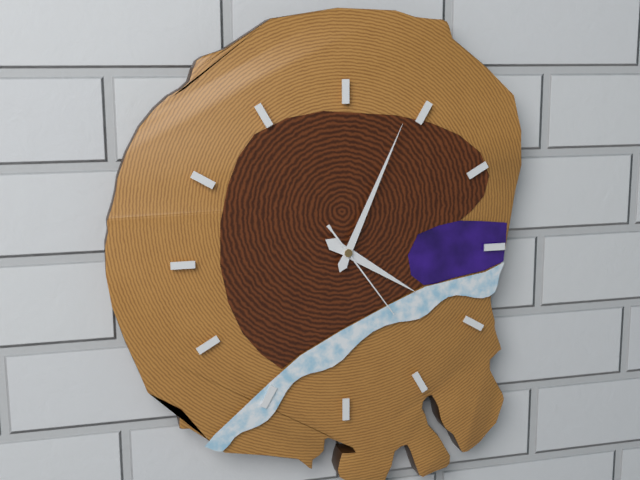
4:04:24
